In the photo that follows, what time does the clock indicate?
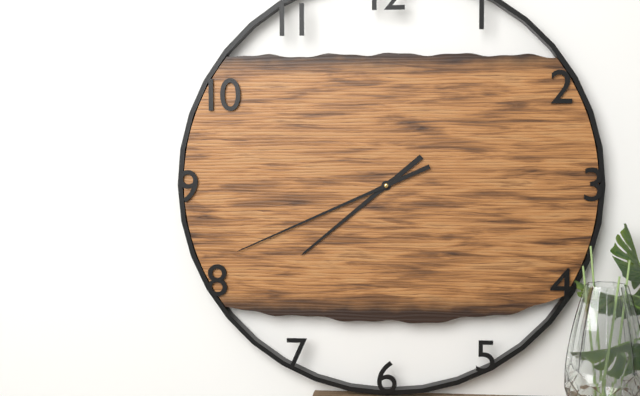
7:41
